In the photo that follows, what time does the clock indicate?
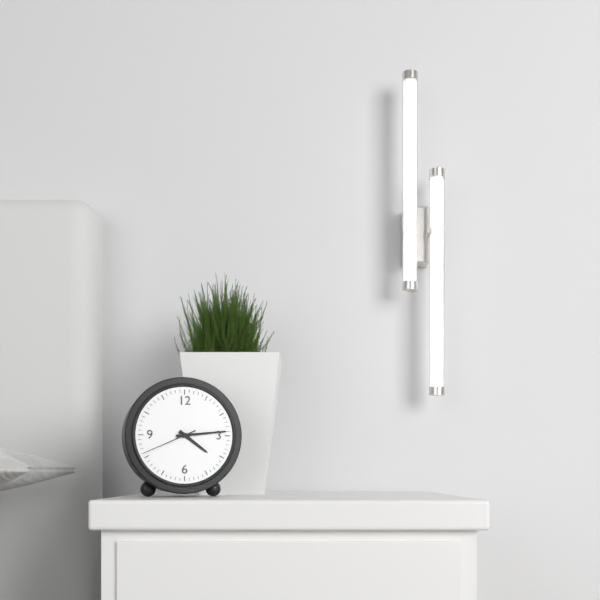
4:14:41
